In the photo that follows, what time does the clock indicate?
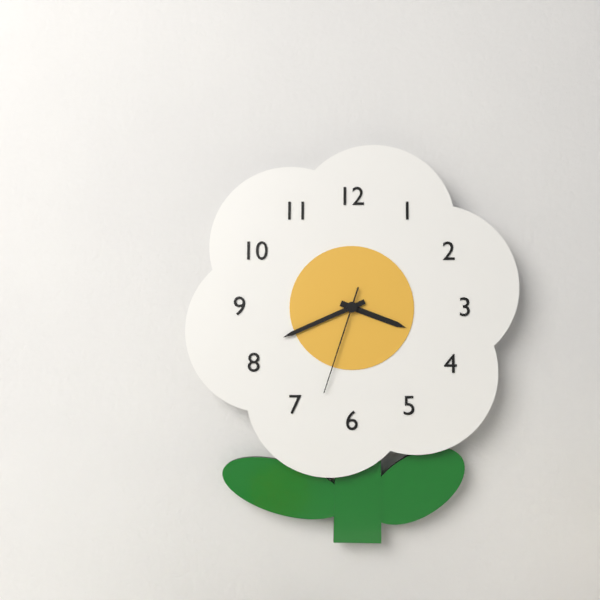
3:41:33
